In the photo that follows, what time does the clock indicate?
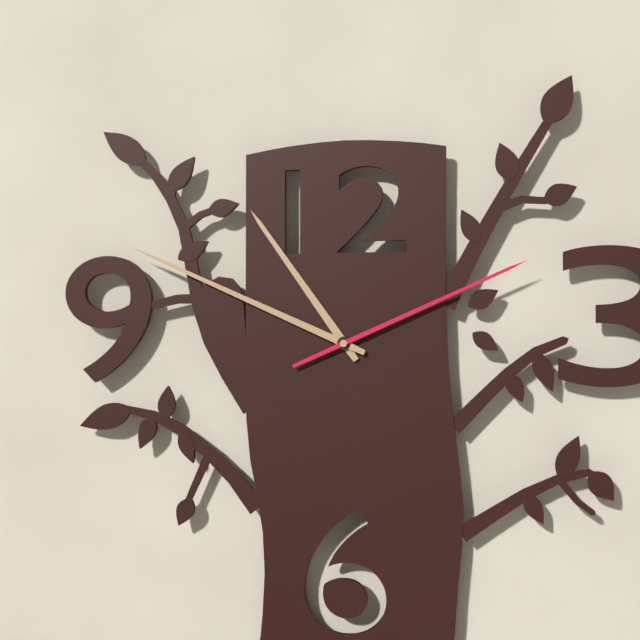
10:49:11
